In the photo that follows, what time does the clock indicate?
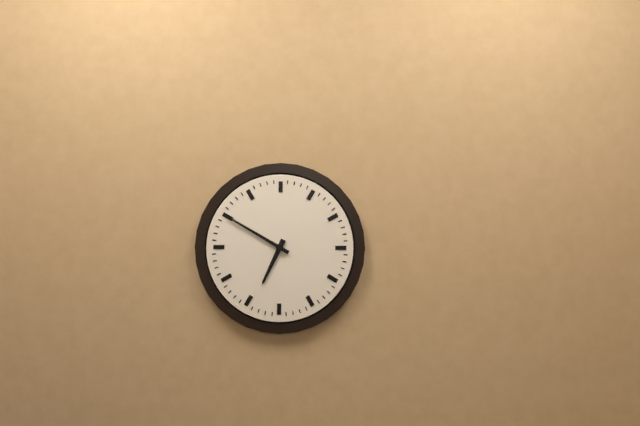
6:50
